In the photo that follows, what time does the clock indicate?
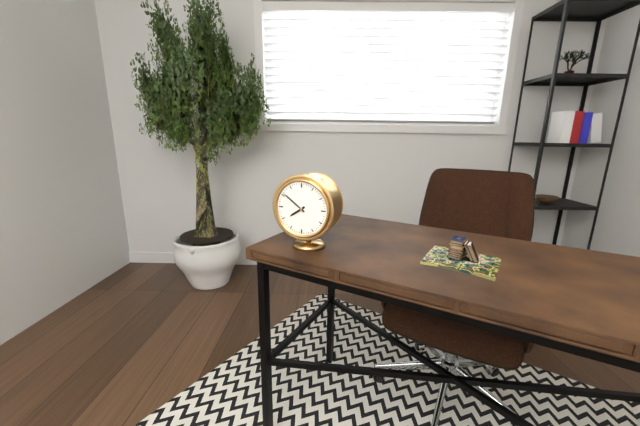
7:51
